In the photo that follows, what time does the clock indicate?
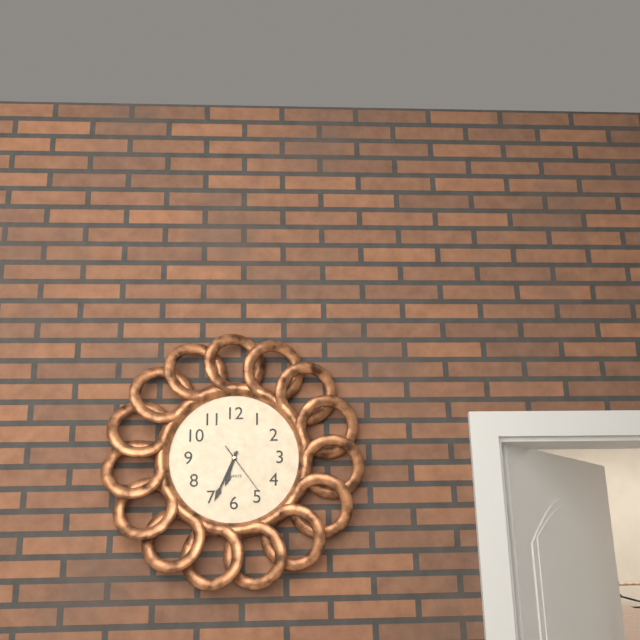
6:34
